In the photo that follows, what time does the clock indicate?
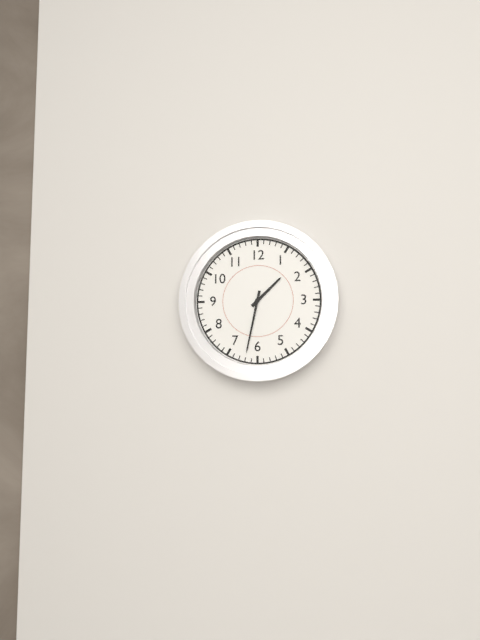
1:32
